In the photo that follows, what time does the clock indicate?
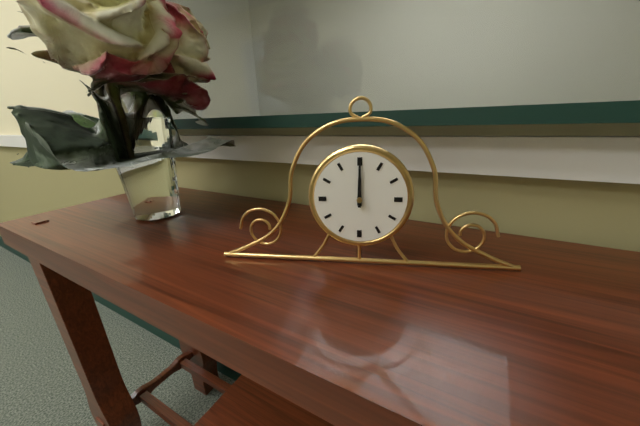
12:00
